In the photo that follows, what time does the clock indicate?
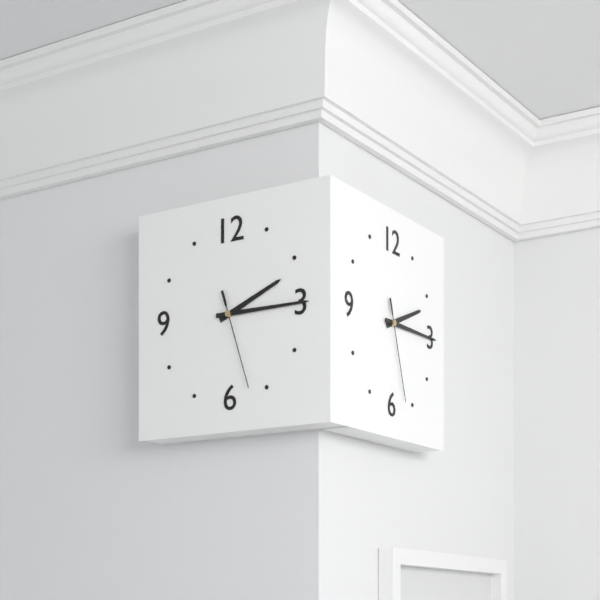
2:15:27
